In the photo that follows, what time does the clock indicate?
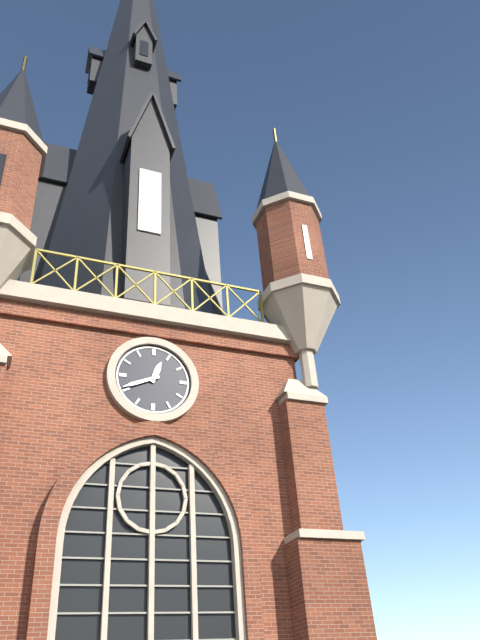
12:41
